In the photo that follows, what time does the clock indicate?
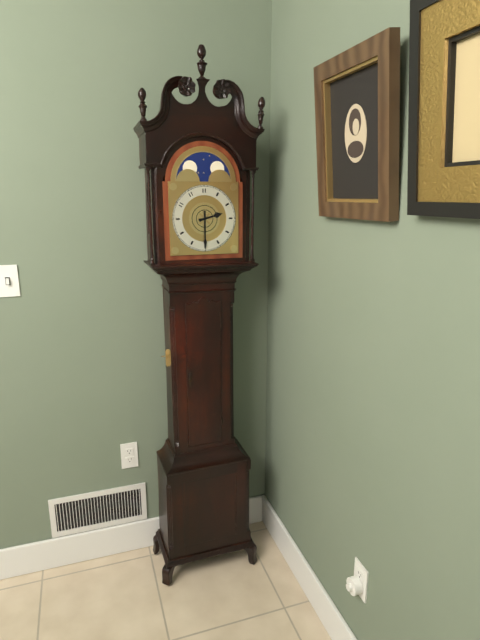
2:30
